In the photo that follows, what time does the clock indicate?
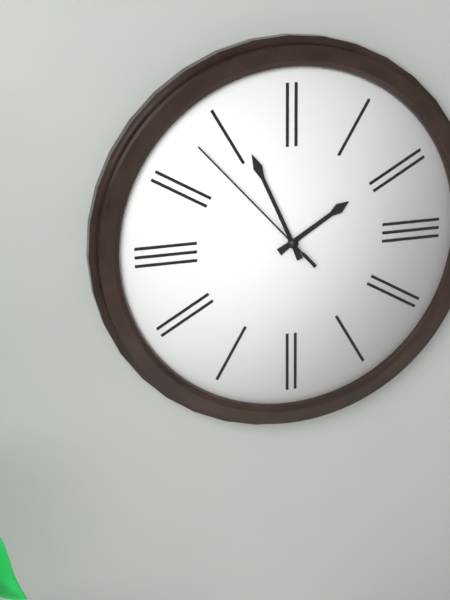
1:56:53
